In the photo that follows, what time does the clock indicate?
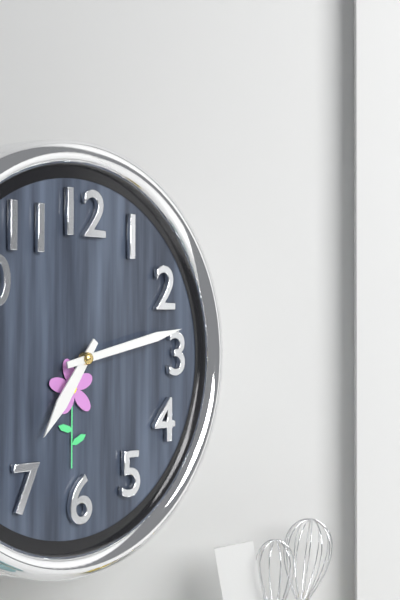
7:13
